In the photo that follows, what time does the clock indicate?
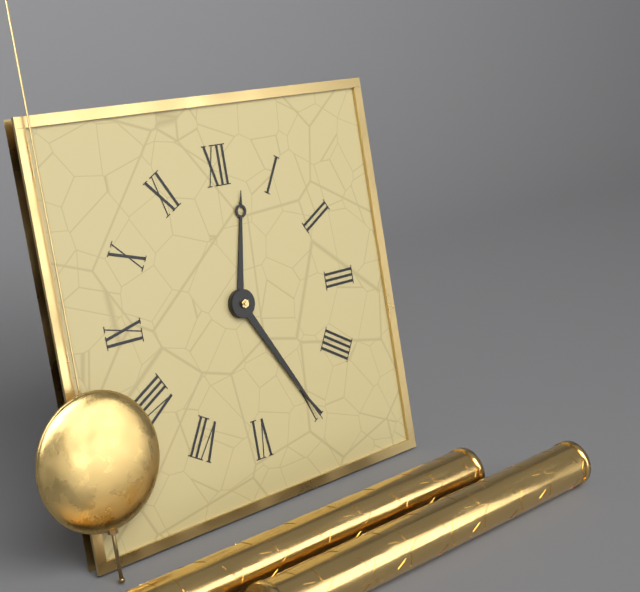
12:25
